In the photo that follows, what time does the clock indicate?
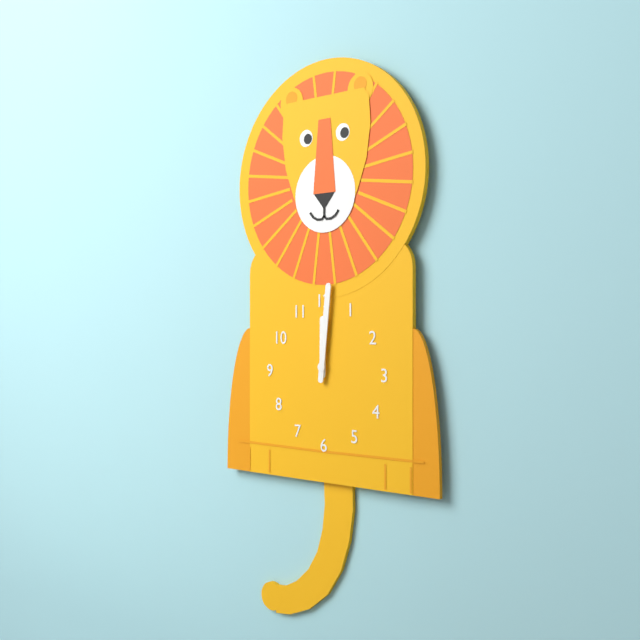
12:01
